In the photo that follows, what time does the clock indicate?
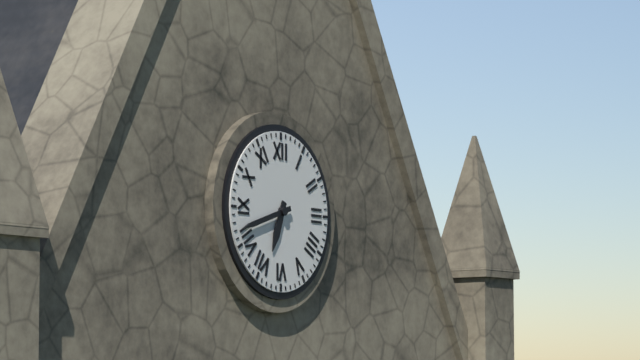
6:42
